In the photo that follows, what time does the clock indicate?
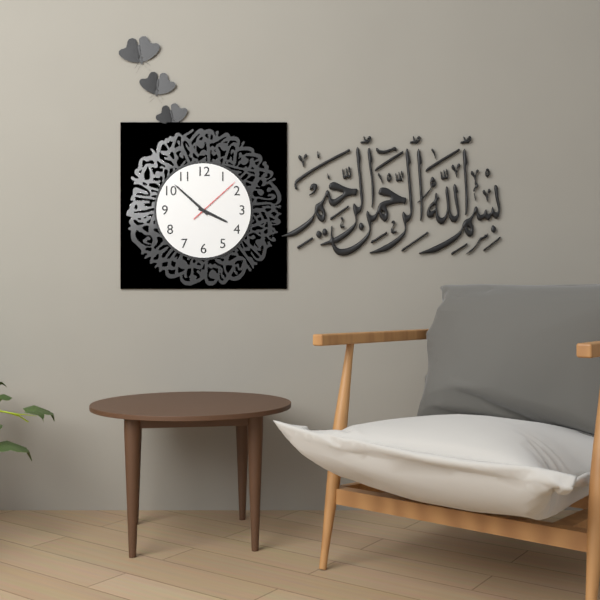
3:52:08
